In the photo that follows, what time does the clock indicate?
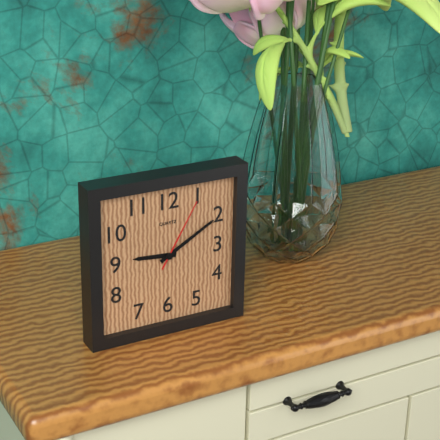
9:10:05
